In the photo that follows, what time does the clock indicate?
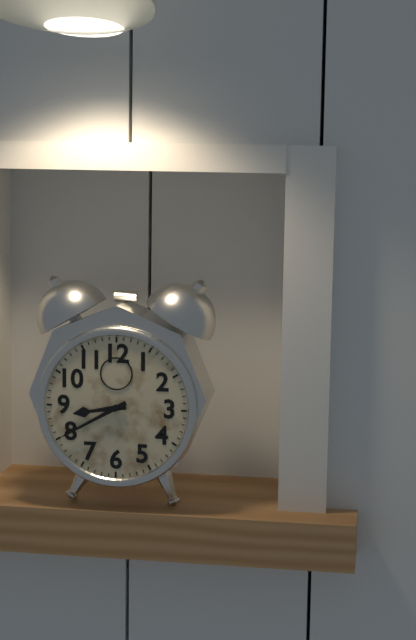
8:40
